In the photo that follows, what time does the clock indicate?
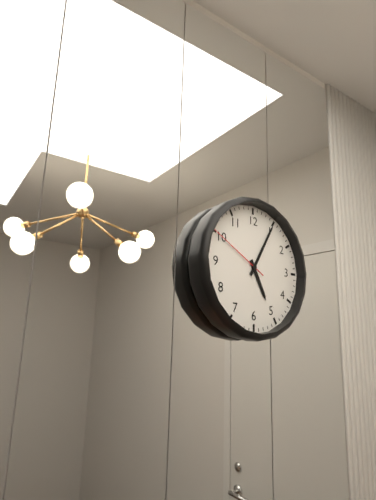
5:05:50
